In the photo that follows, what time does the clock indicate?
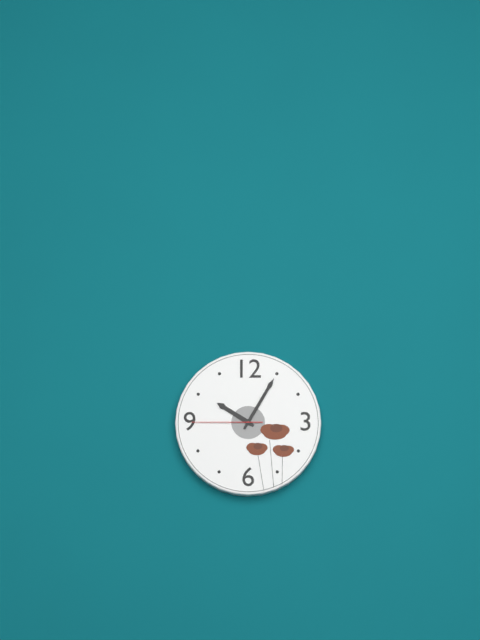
10:05:45
